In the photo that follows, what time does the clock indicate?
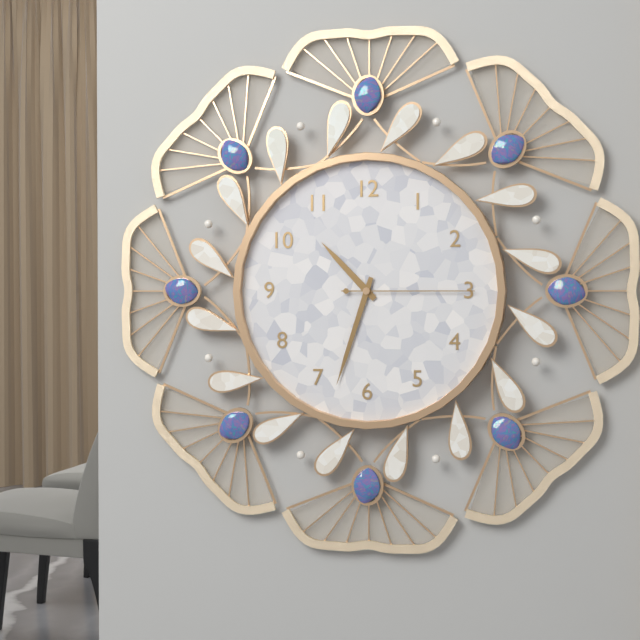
10:33:15
